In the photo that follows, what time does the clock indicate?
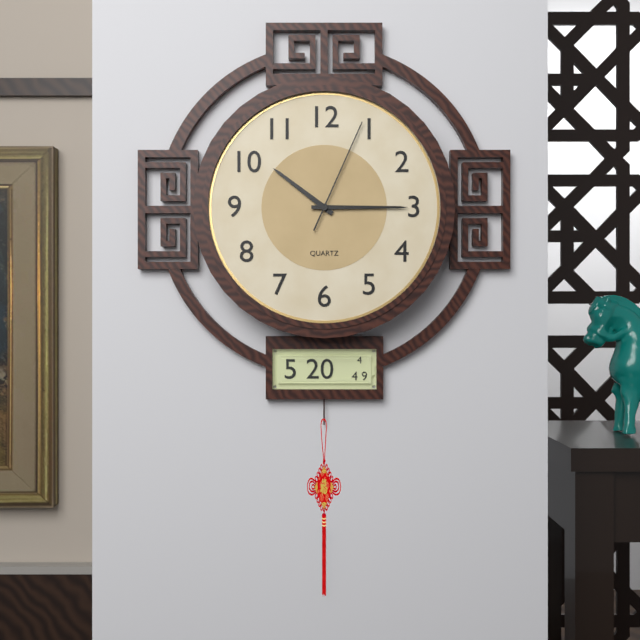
10:15:04
